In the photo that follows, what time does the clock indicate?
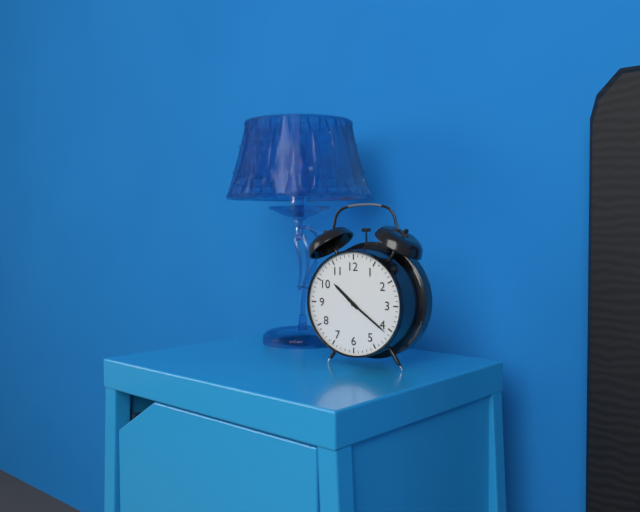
10:21
